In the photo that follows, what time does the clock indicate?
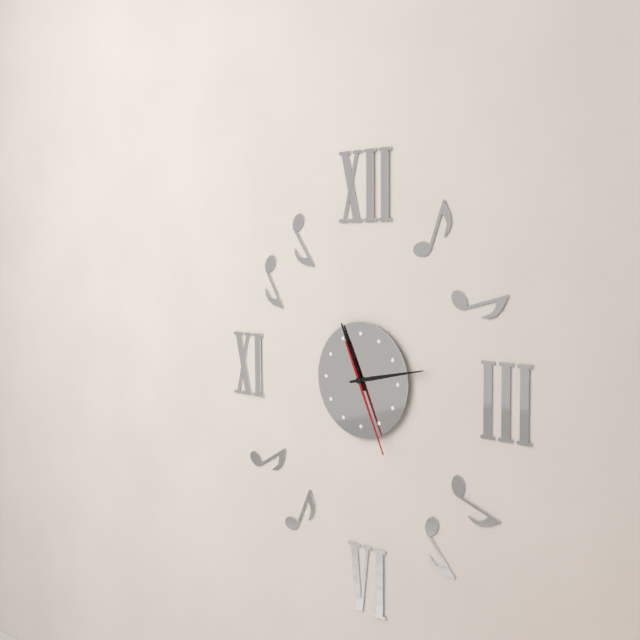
11:13:26
